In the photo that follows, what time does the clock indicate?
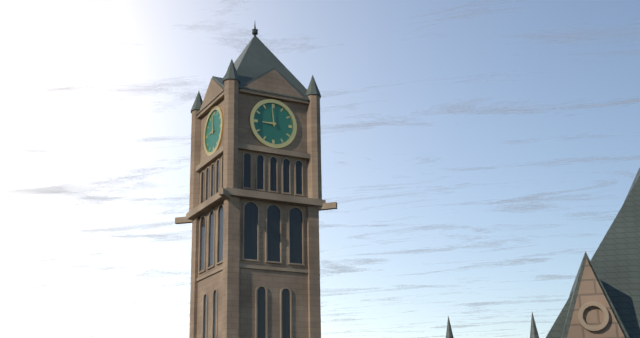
8:59
